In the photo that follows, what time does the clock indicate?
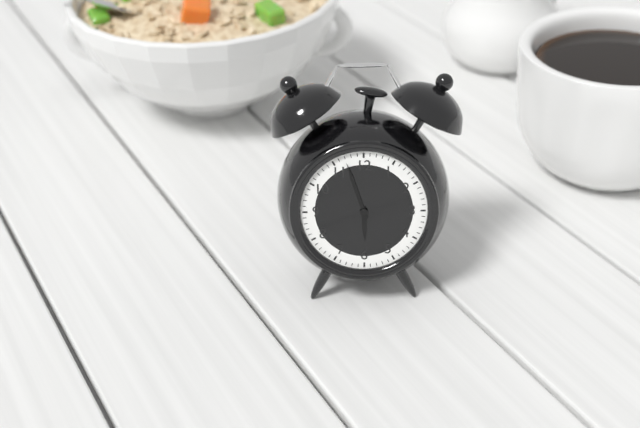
5:57
